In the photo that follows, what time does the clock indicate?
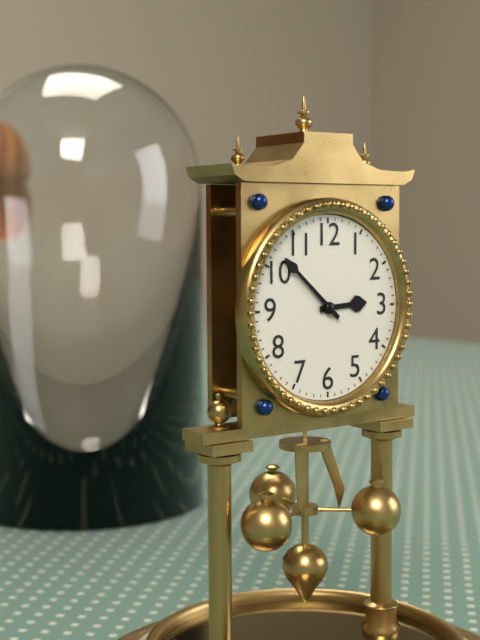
2:52
